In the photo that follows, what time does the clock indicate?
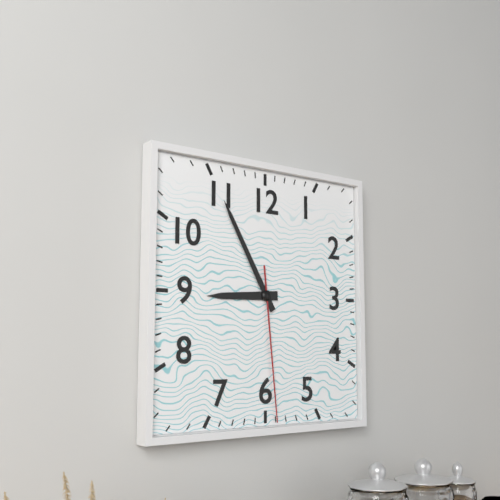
8:55:29
